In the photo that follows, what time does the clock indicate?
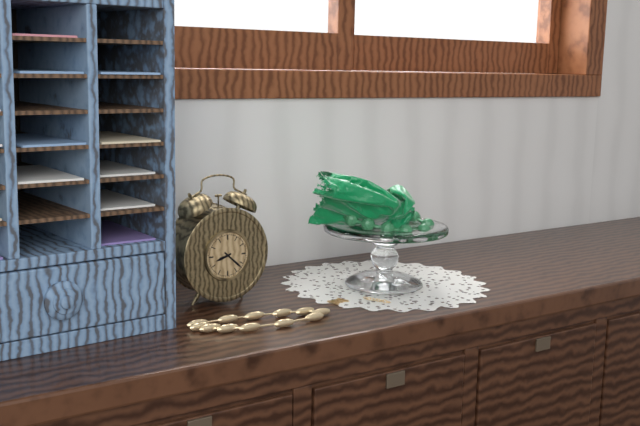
8:22
